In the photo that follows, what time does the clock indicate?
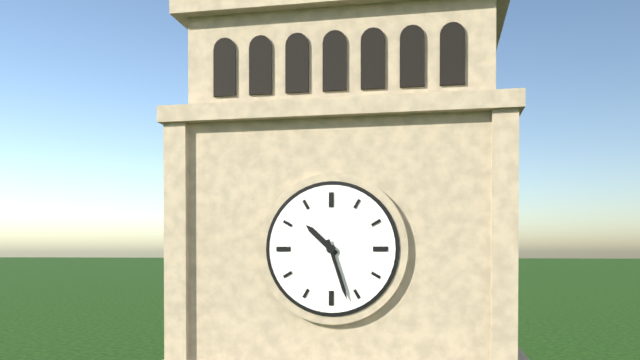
10:27
